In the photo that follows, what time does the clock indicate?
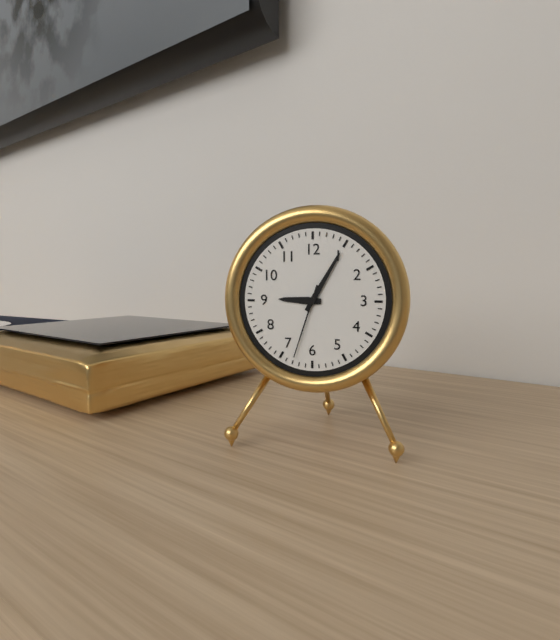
9:05:33
